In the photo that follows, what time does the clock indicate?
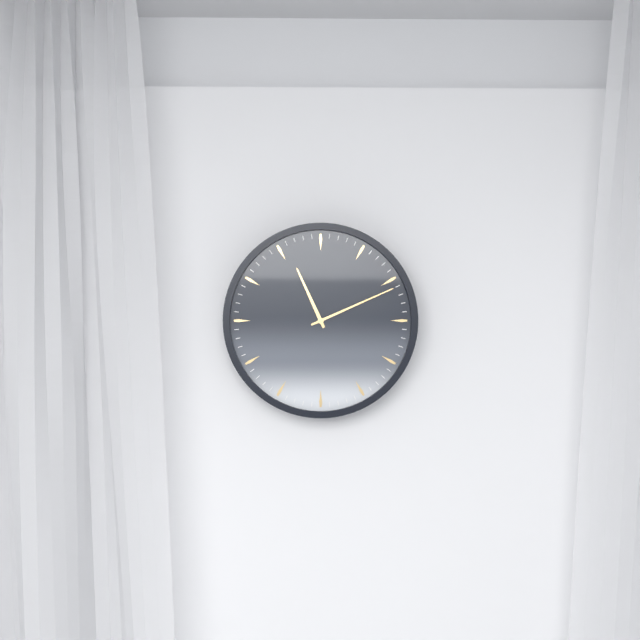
11:11
